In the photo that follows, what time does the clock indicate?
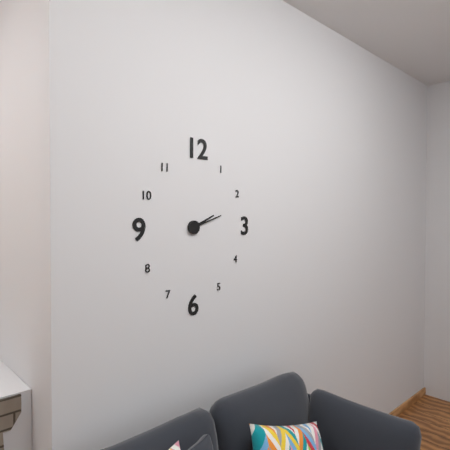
2:12
